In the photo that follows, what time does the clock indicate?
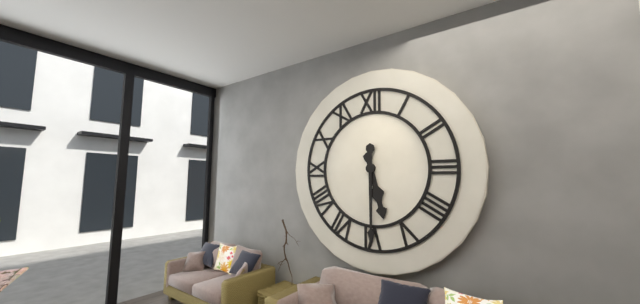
5:30
